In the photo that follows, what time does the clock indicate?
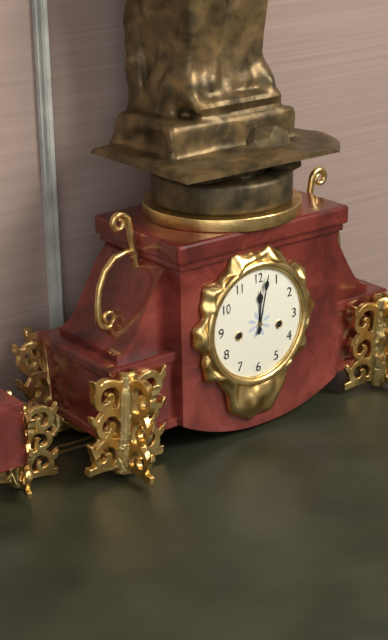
12:02
